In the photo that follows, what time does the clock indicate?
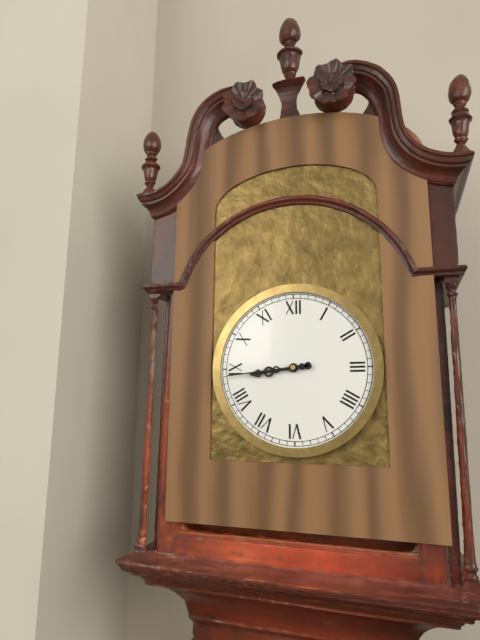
8:44
